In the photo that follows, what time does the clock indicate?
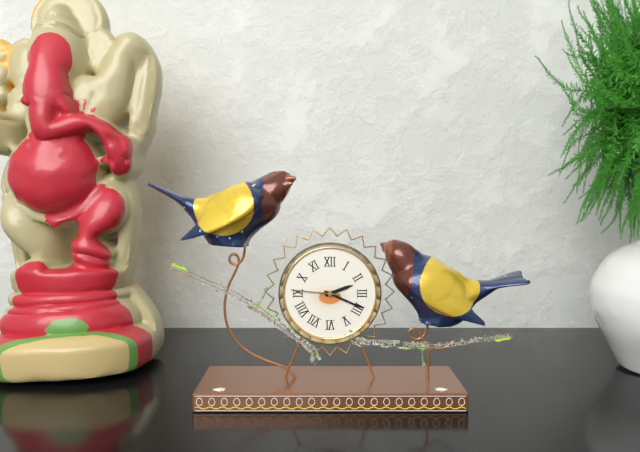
2:19
